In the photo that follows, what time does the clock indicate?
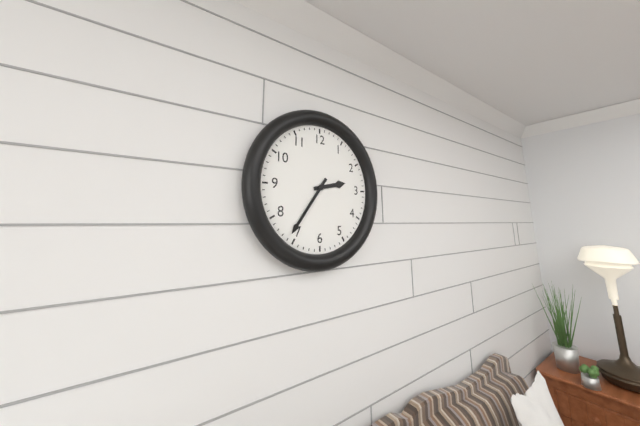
2:36
